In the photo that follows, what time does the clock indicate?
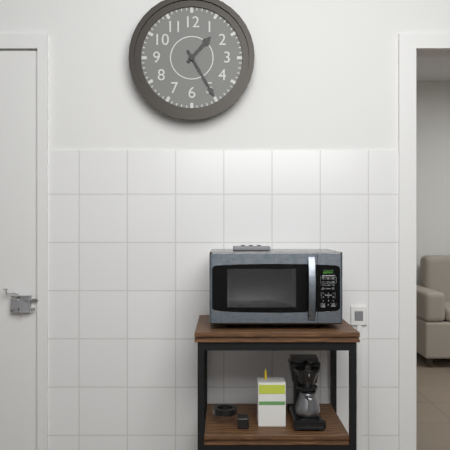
1:25
